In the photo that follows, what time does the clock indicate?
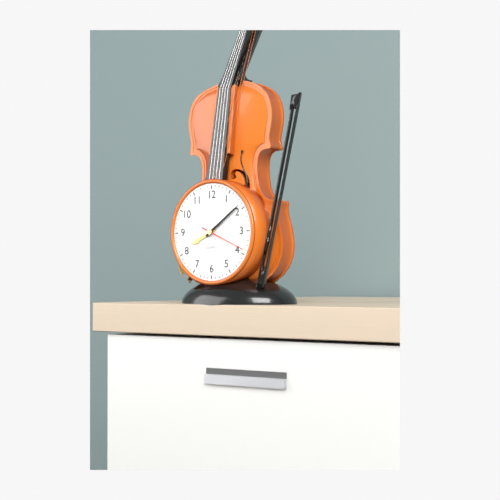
8:09
